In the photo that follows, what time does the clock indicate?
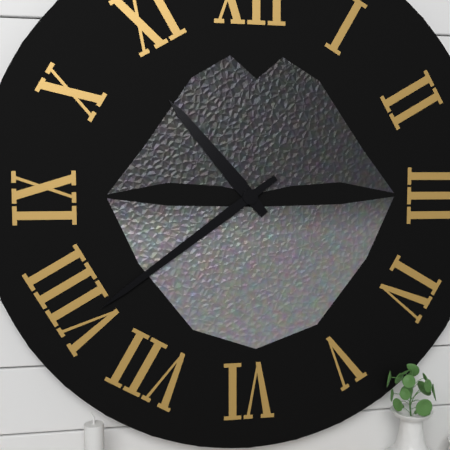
10:39
